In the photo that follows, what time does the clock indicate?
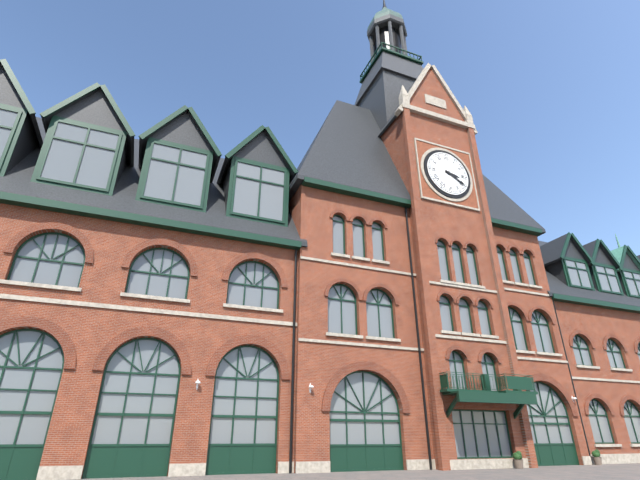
3:20
